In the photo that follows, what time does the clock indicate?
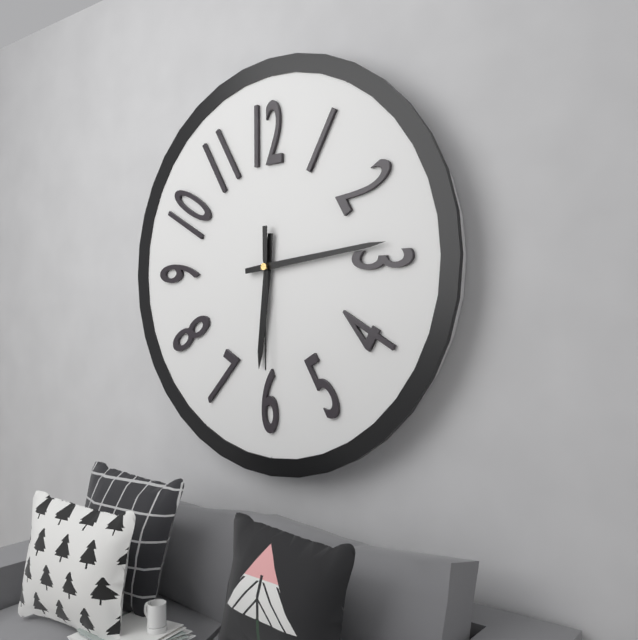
6:14:30
